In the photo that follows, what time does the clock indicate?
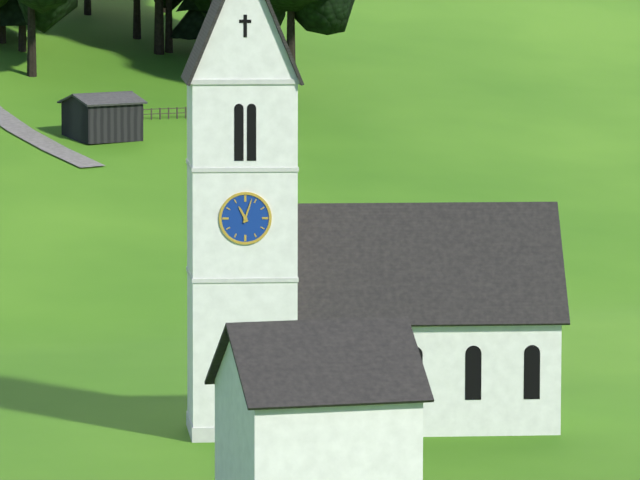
11:03
